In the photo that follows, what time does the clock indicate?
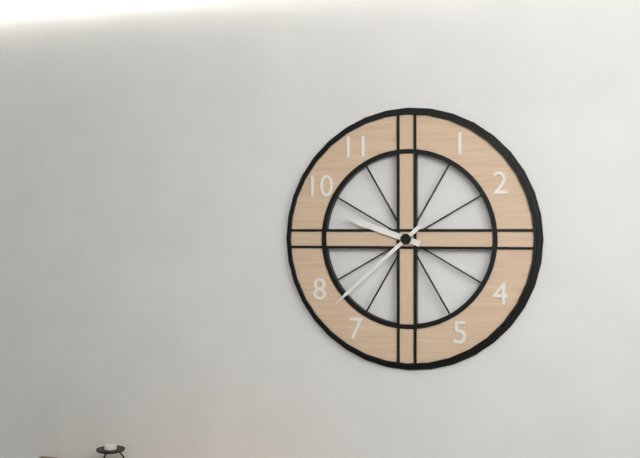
9:38
